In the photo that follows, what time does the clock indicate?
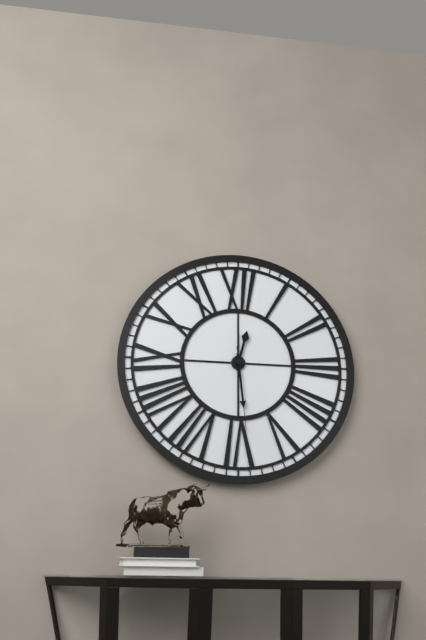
12:29:29
